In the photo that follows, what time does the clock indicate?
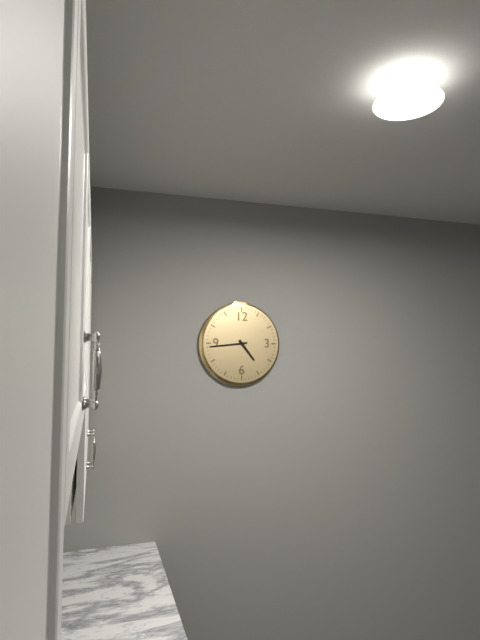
4:44
